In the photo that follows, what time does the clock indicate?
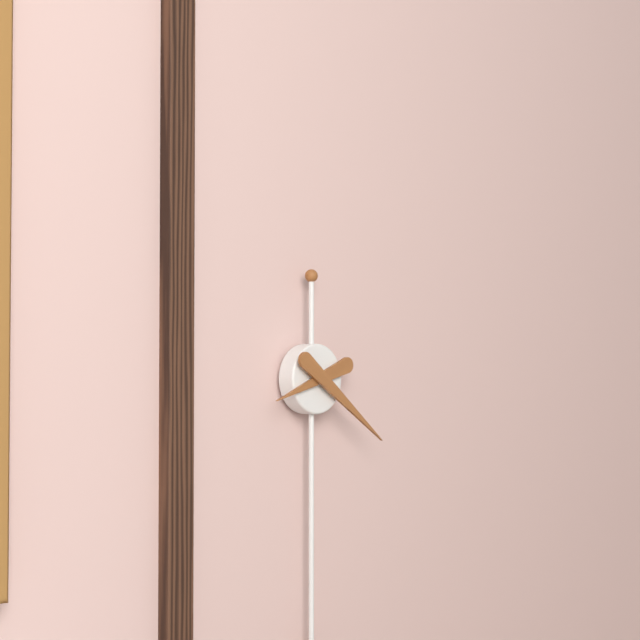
8:21
